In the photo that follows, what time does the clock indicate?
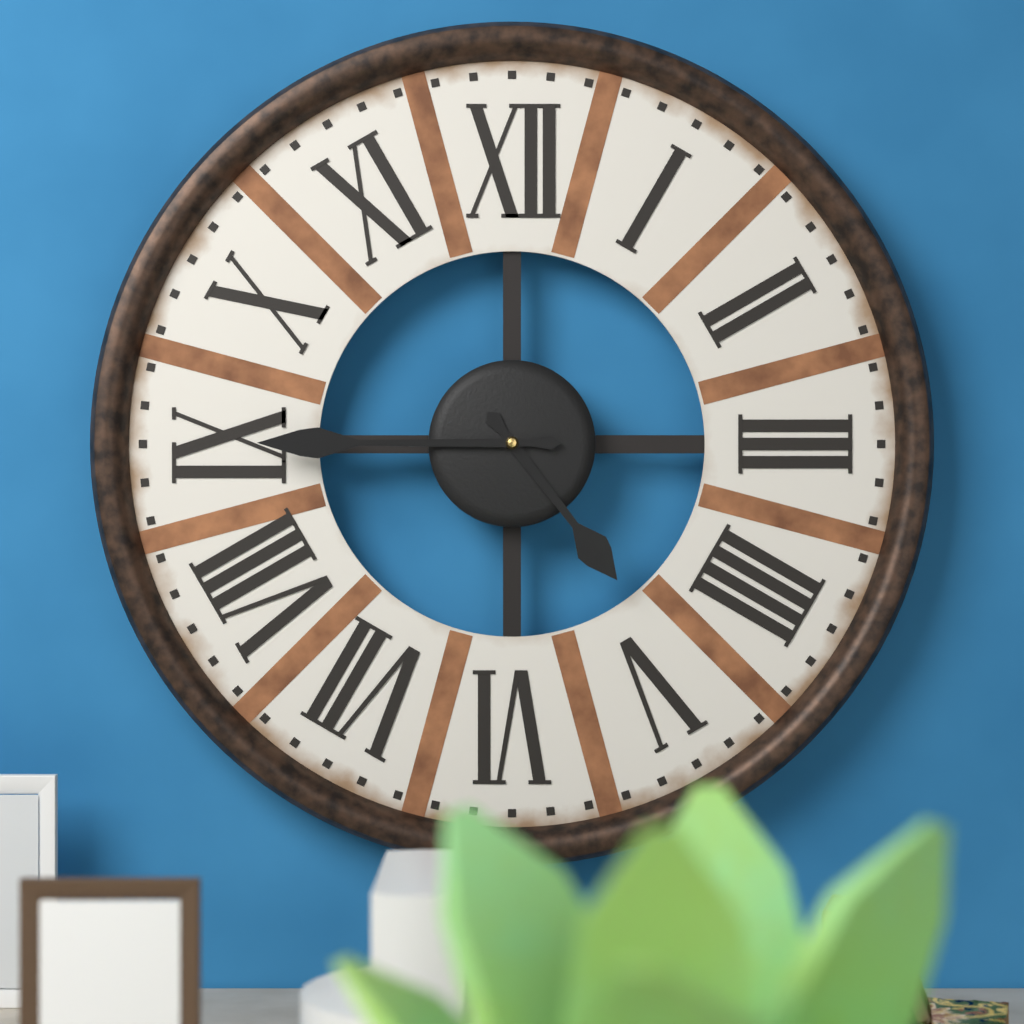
4:45
